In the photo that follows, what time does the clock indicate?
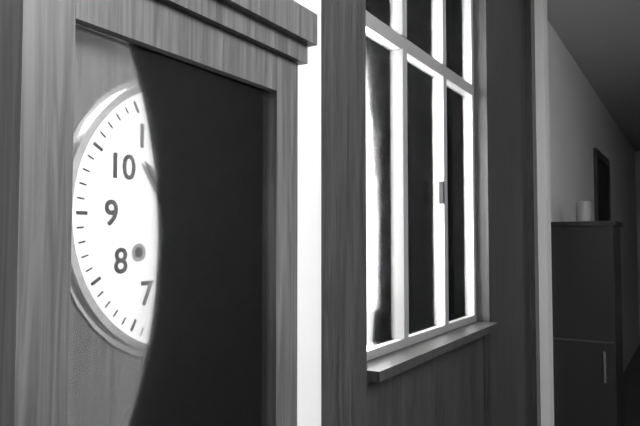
10:31
